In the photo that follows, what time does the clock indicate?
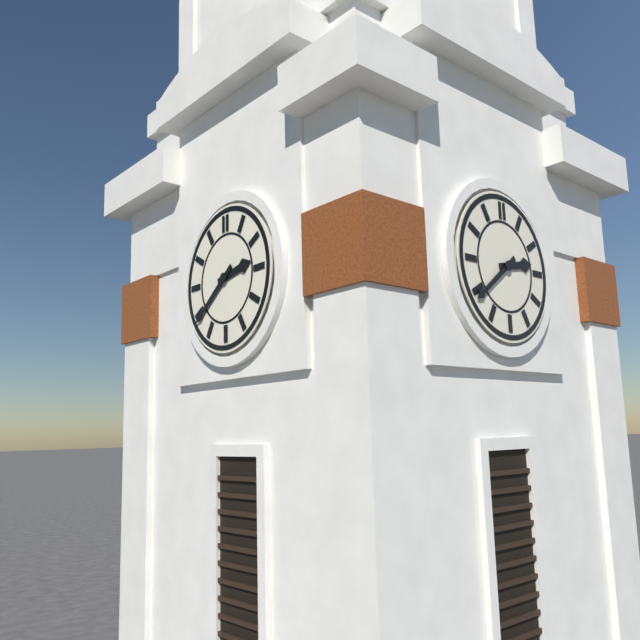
2:39
